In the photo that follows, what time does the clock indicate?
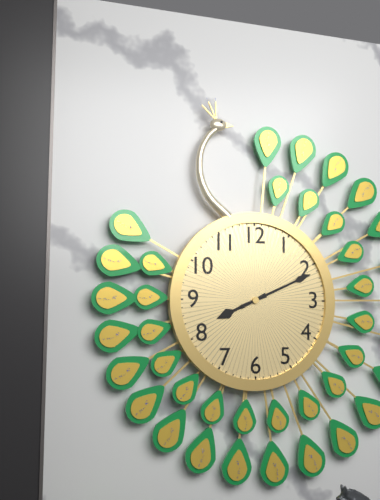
8:11
